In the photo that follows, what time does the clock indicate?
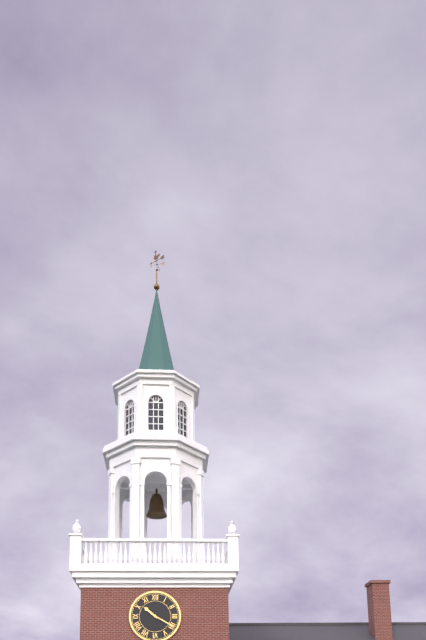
10:20
